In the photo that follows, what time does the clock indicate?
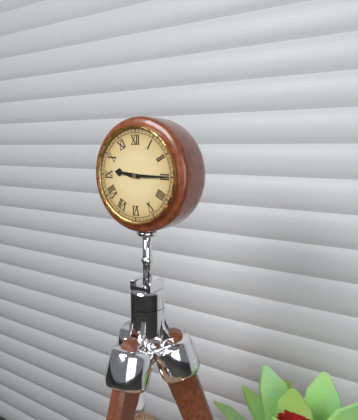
9:15
